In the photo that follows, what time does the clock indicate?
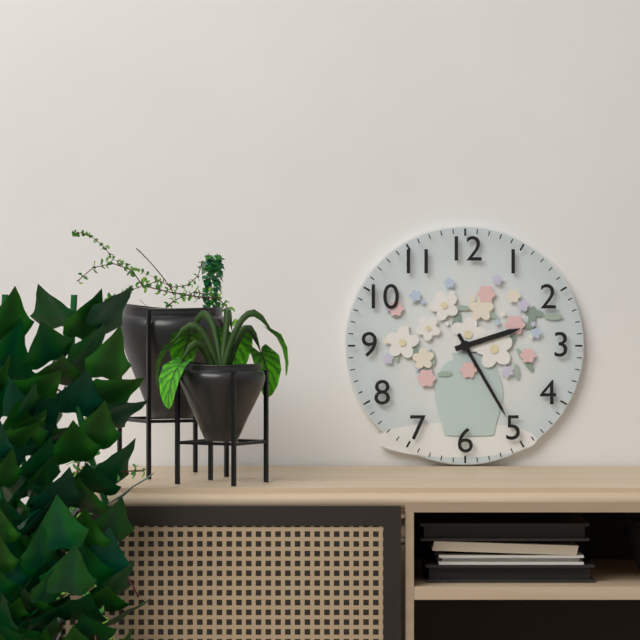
2:25
